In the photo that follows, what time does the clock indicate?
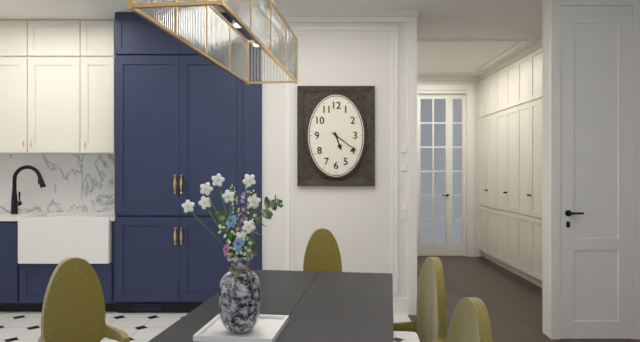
5:21
